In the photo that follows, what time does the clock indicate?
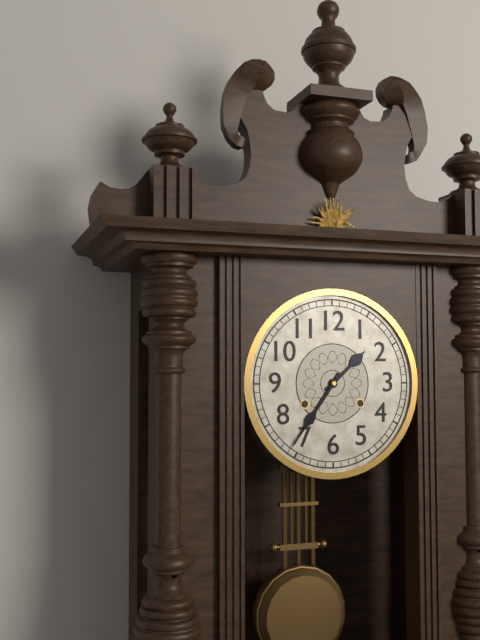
1:36
